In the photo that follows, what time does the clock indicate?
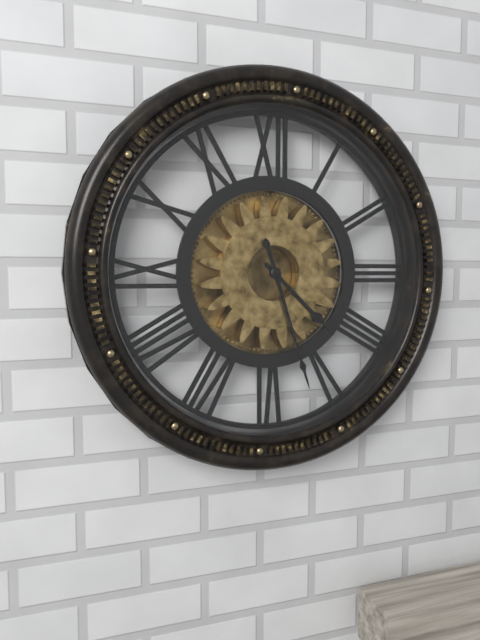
4:27
